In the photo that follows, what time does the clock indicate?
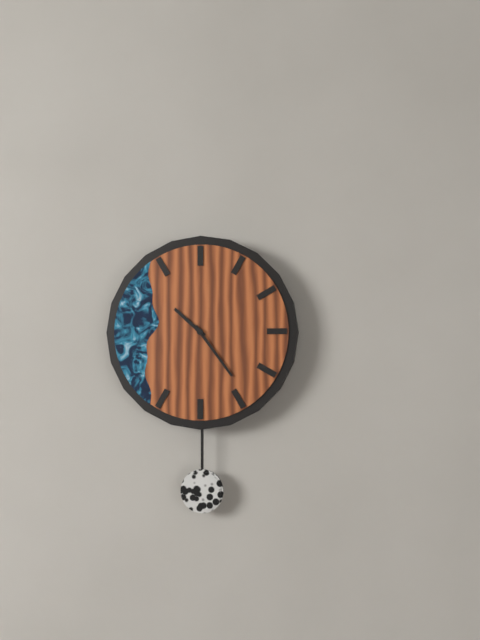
10:24
